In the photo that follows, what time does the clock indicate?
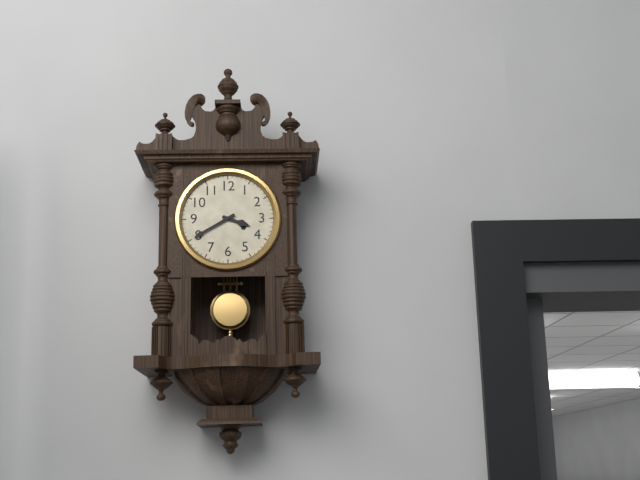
3:40
